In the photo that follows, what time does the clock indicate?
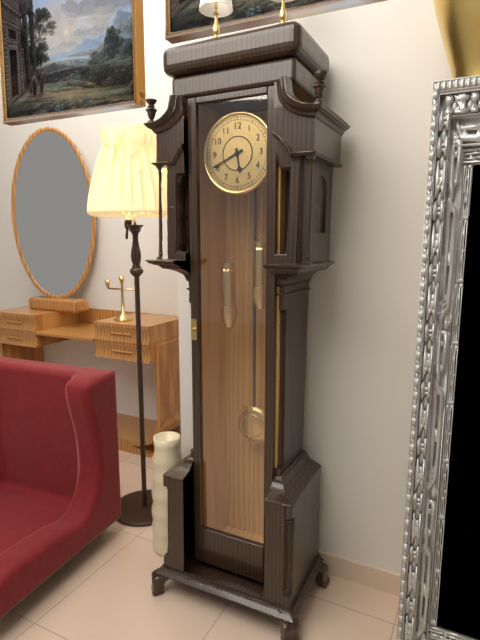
5:41
